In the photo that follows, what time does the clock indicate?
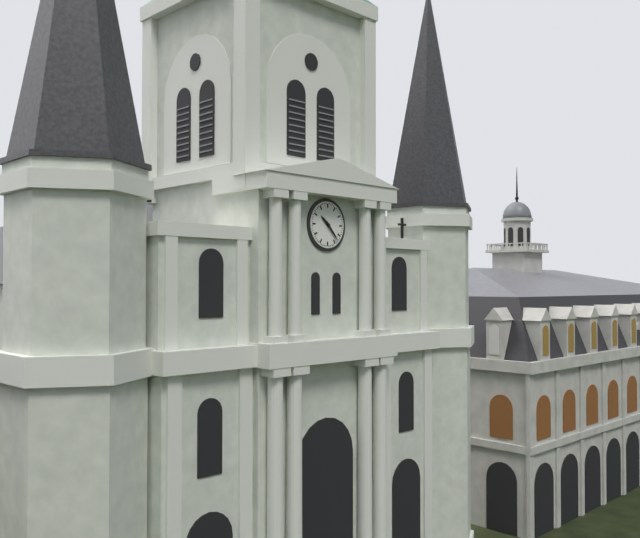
10:23
